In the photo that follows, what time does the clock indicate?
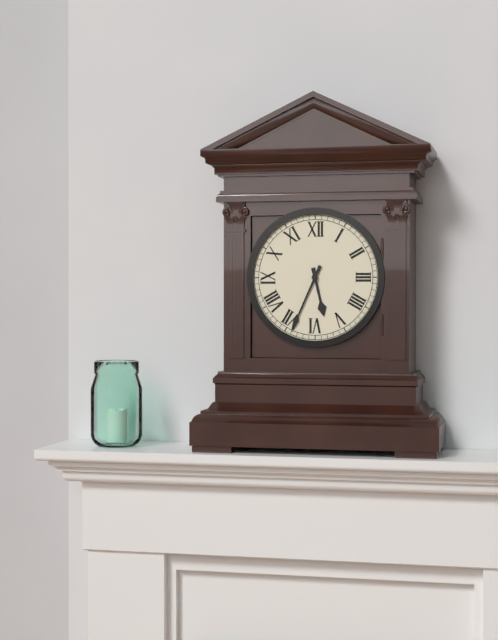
5:34
